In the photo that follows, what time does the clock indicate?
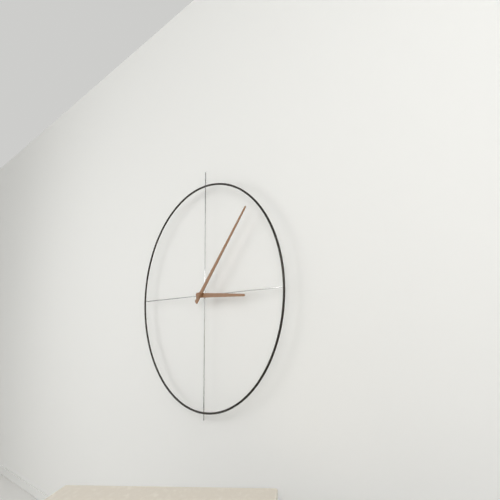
3:07
